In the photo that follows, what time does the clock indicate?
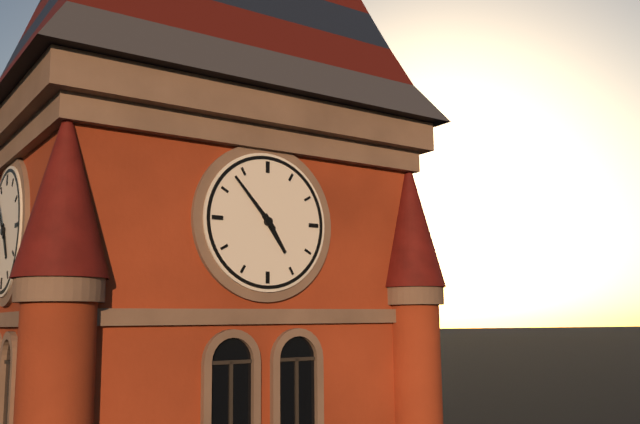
4:53
